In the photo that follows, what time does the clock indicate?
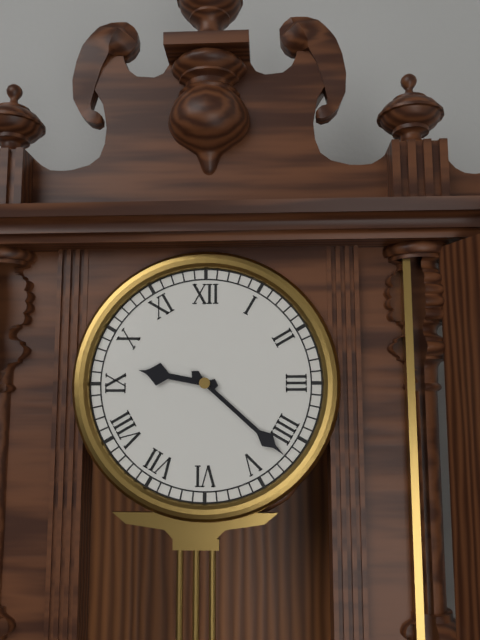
9:22
